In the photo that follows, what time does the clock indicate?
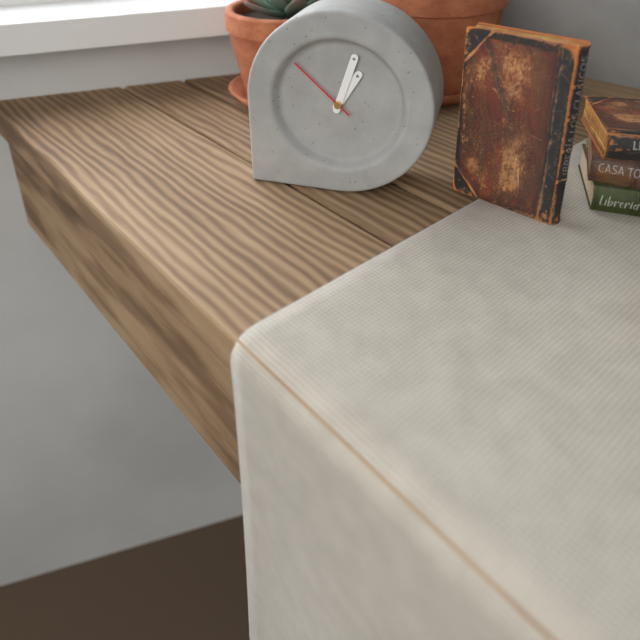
1:03:52
